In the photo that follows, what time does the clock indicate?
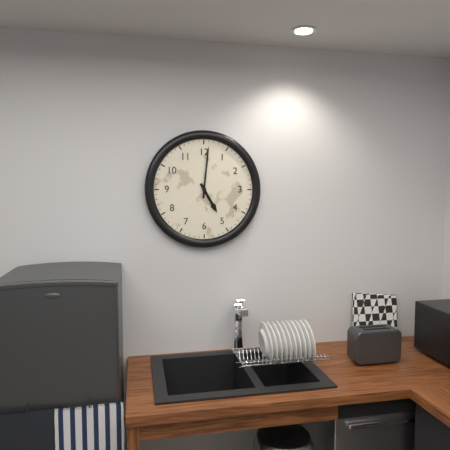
5:01
